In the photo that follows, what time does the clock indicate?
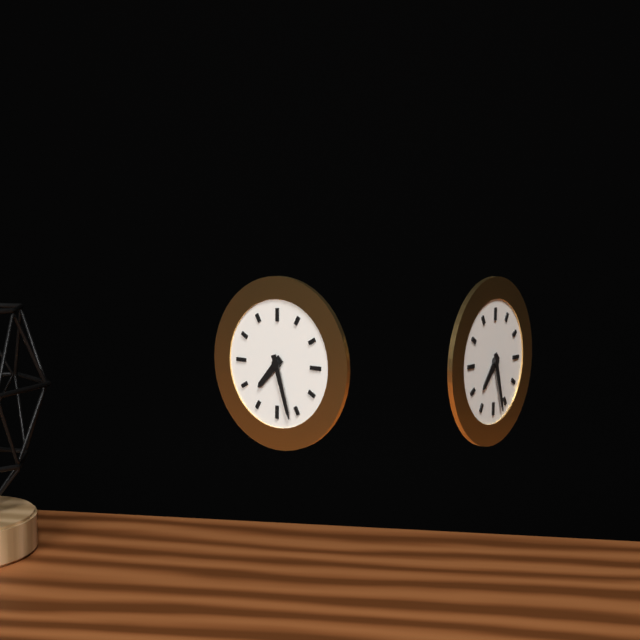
7:27
